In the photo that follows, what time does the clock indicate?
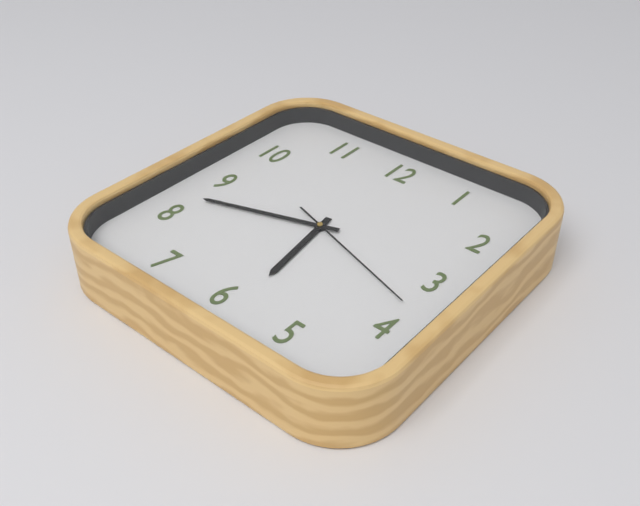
5:42:18
